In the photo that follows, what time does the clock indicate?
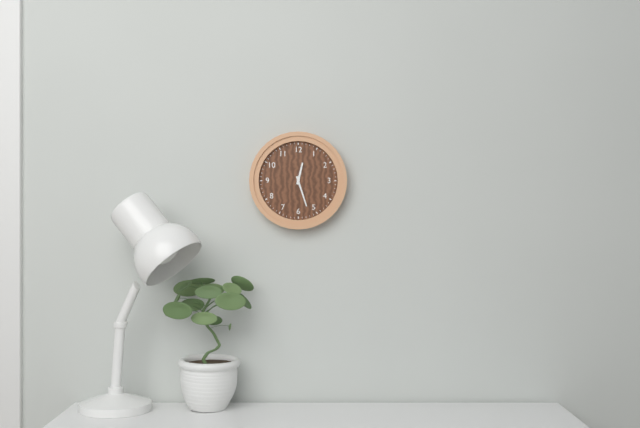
12:27
